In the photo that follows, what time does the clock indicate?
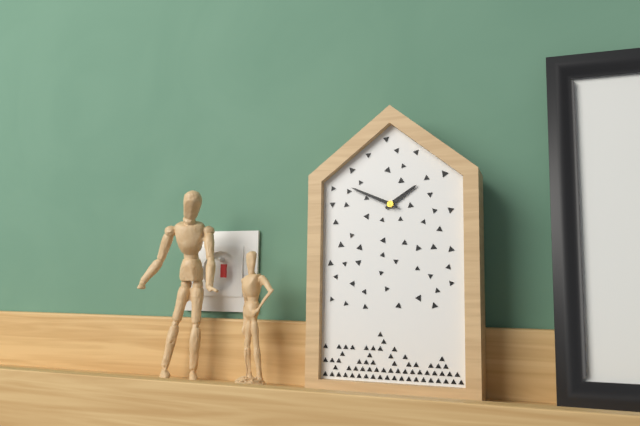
1:49
